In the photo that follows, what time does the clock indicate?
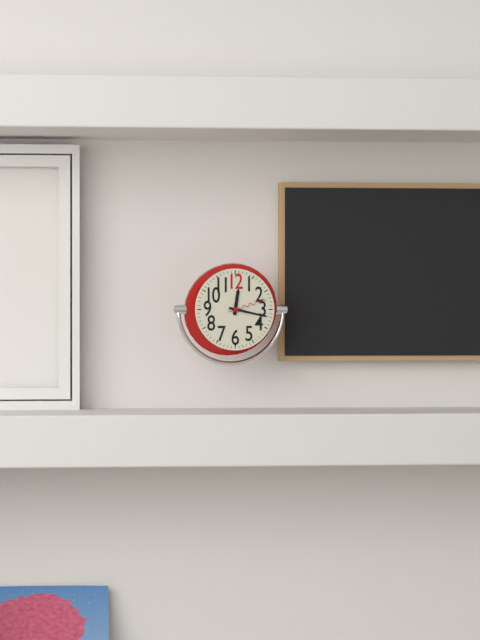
12:17
